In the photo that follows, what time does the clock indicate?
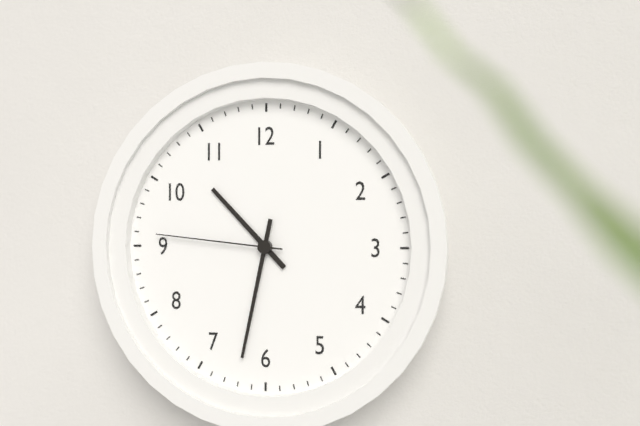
10:32:46
